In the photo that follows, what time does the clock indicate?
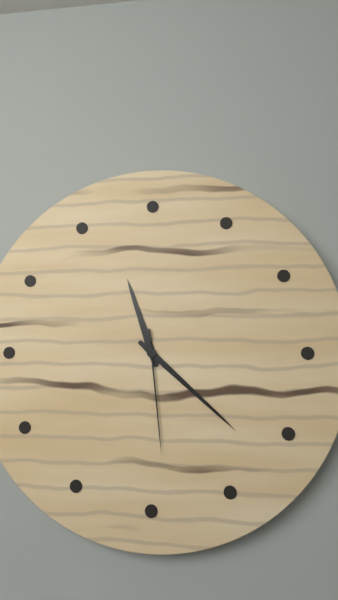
11:22:29
